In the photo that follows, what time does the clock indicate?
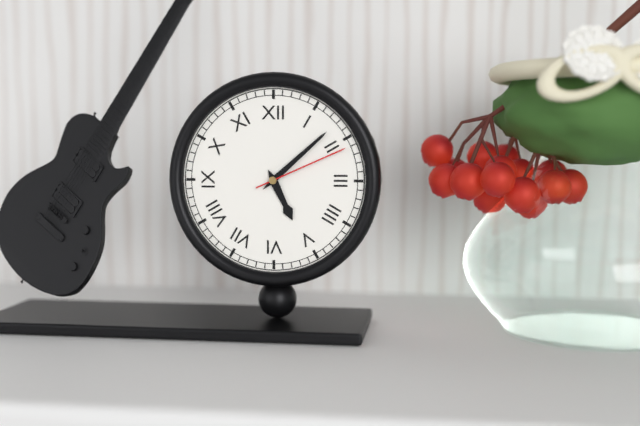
5:08:11
